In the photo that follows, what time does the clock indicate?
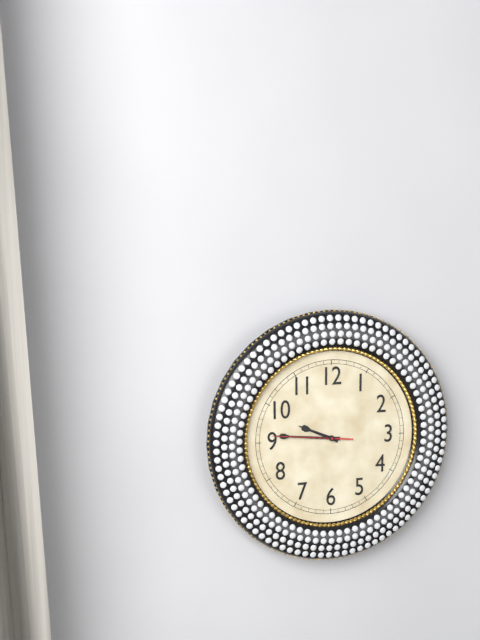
9:46:46
